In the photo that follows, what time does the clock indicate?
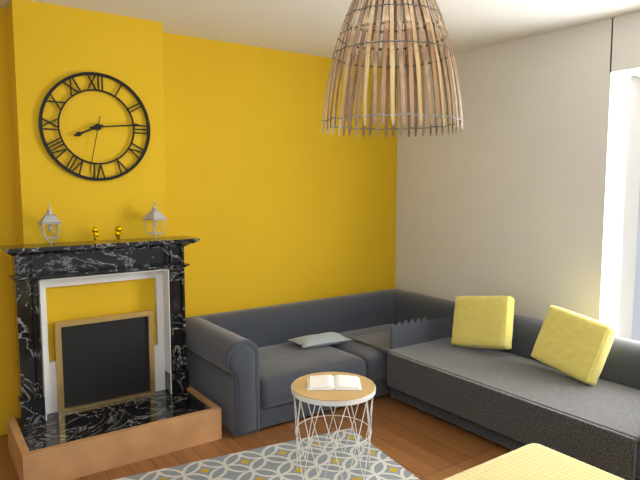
8:14:32
